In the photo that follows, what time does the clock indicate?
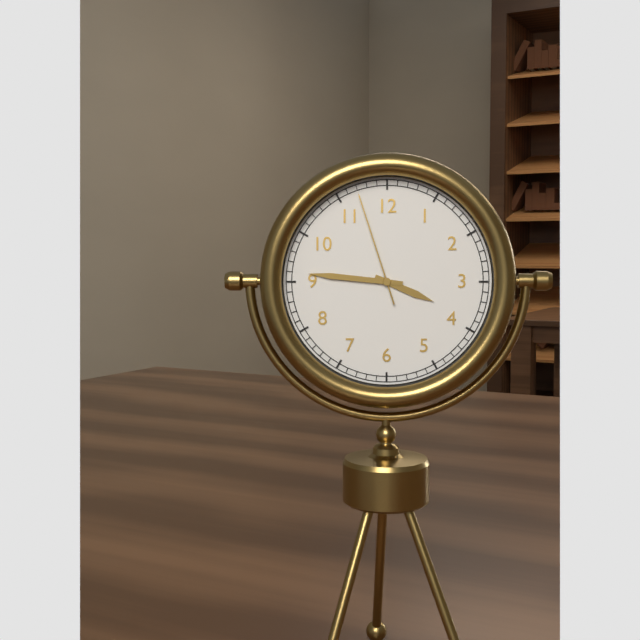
3:46:57
